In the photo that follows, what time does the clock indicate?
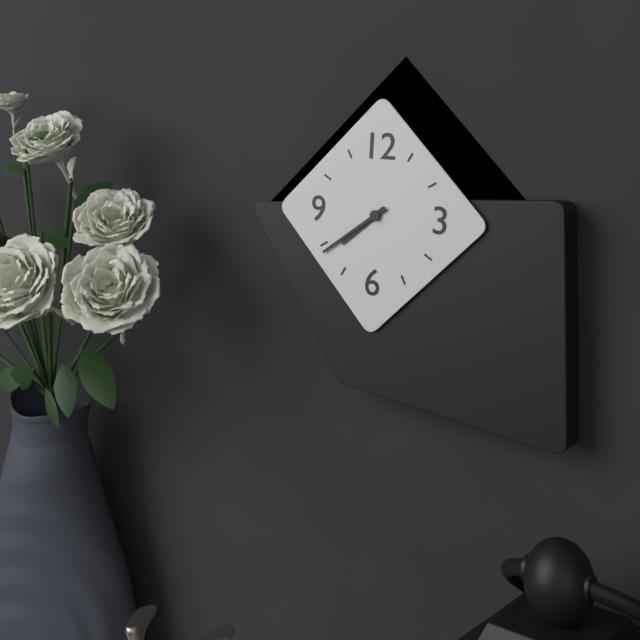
7:39
